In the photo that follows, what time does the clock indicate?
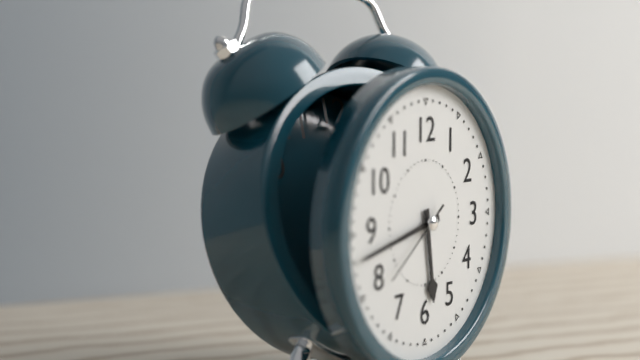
5:43:39
